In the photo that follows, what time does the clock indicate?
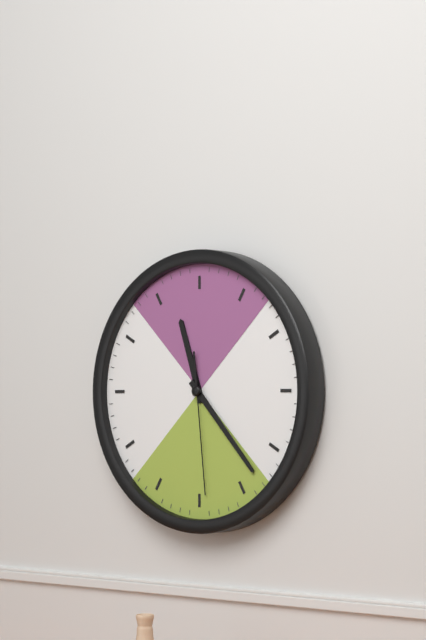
11:23:29
